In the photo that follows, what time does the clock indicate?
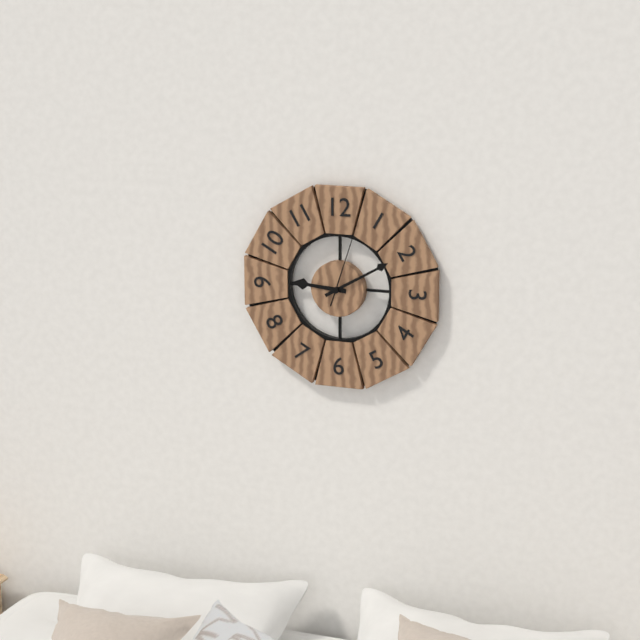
9:10:03
